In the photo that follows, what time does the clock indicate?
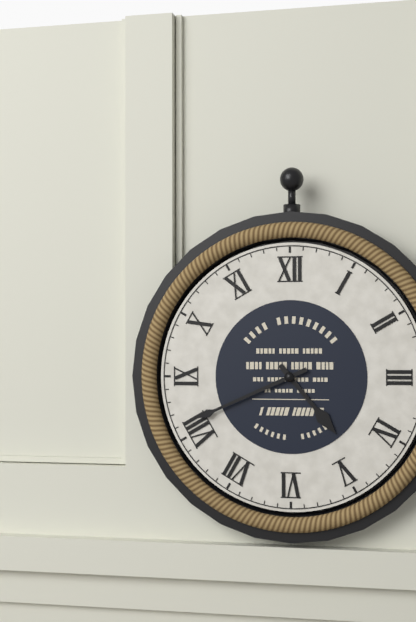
4:41
